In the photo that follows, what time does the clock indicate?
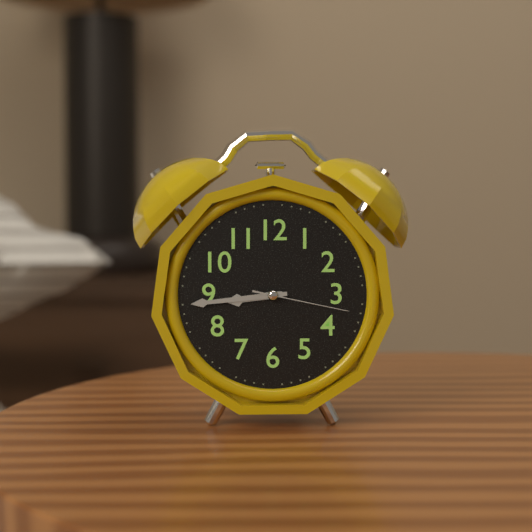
8:44:17
